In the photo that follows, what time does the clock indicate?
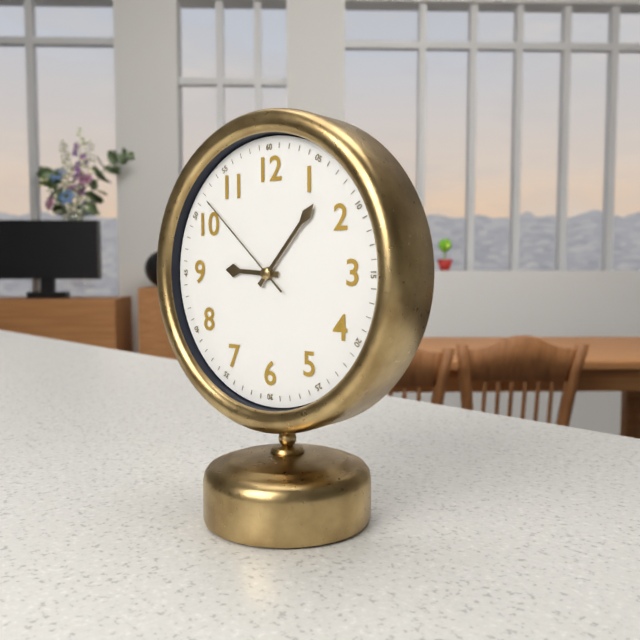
9:07:52
